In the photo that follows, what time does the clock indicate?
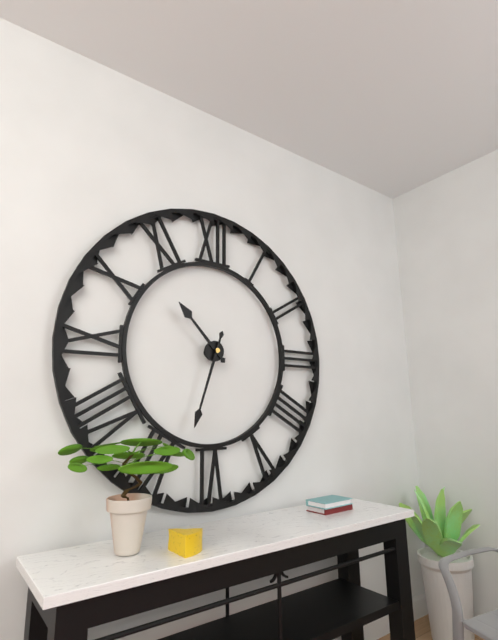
10:33
